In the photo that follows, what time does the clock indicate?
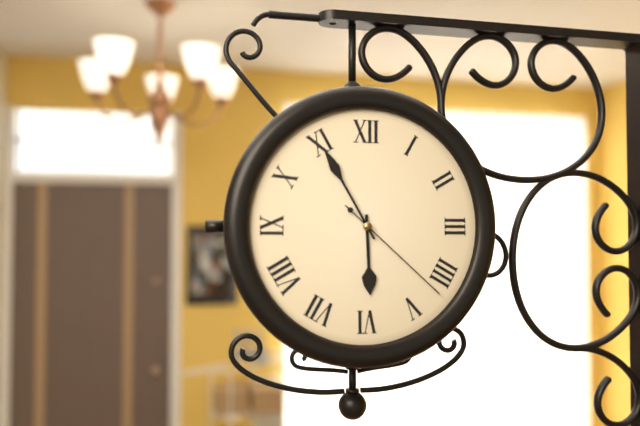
5:55:22
